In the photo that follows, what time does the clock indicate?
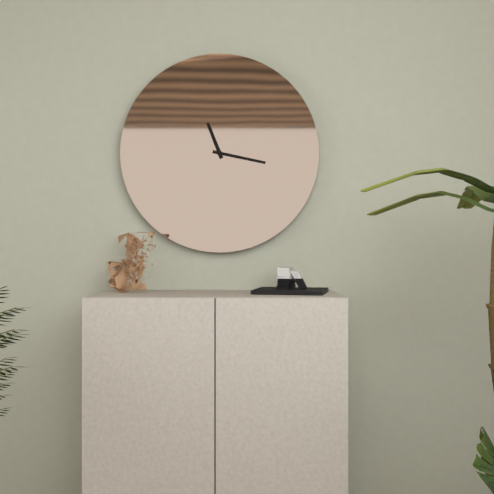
11:17
